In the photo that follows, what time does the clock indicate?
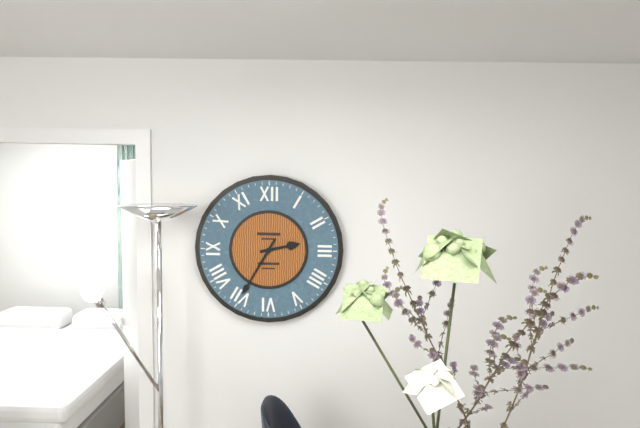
2:35
